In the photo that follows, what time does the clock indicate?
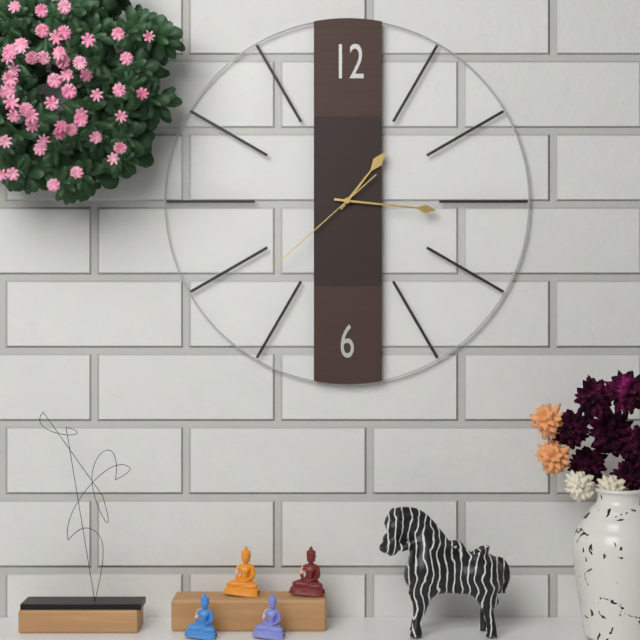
1:16:38
